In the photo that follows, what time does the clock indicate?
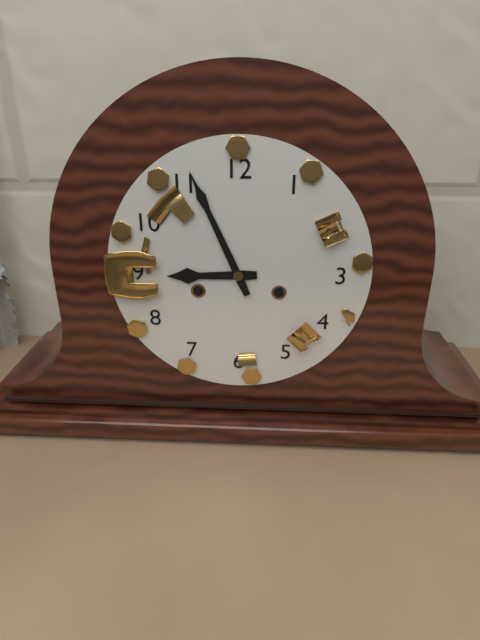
8:56
